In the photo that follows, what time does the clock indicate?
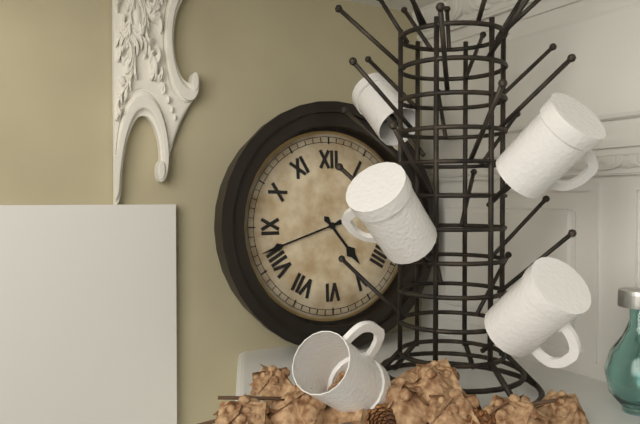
4:42
